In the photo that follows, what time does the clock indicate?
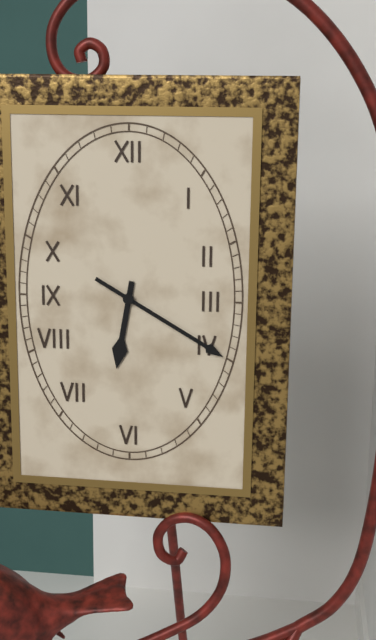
6:20
